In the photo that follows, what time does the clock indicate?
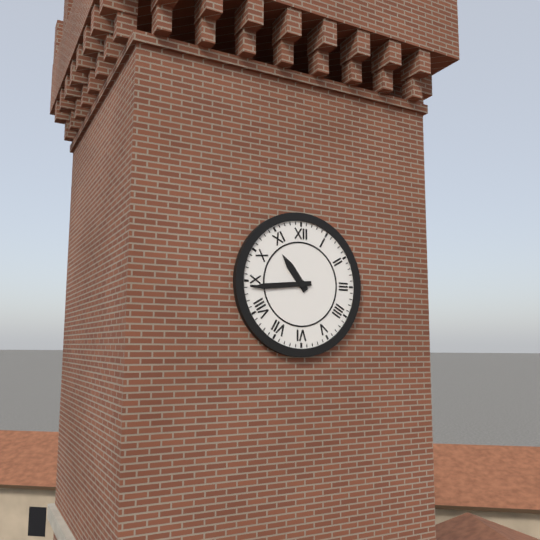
10:44
